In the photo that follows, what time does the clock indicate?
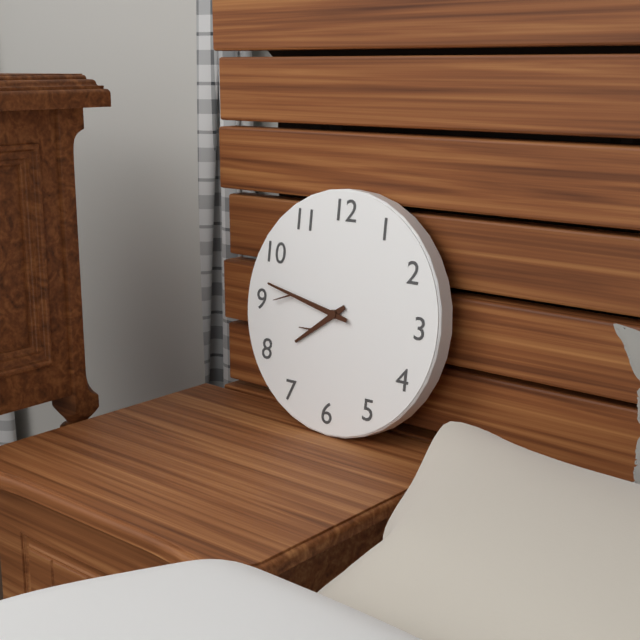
7:47
